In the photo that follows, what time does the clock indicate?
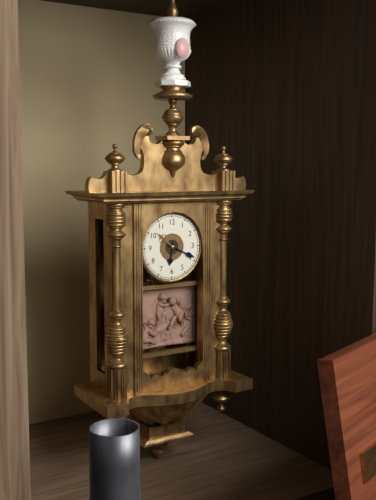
6:19
